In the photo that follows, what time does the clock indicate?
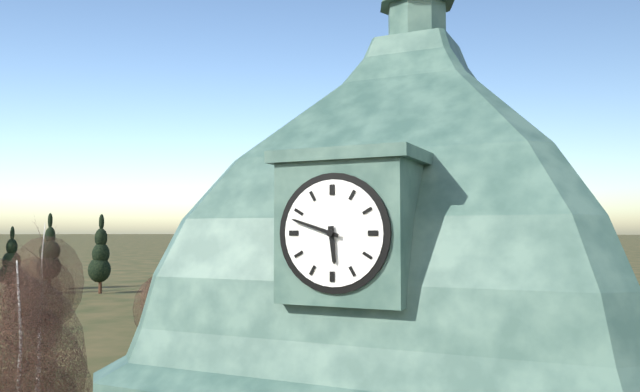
5:48
